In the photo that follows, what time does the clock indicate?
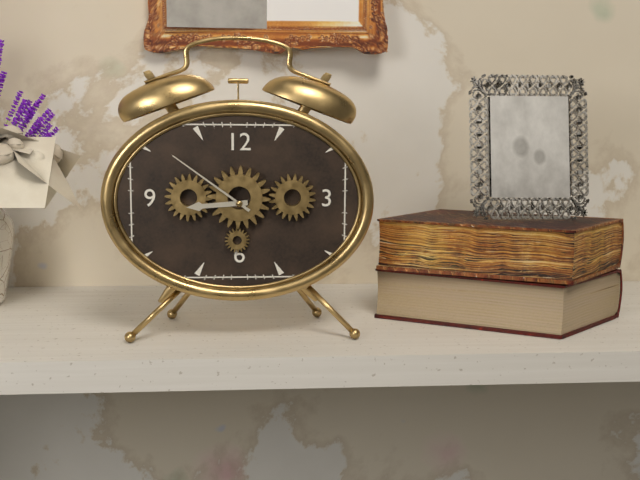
8:51
